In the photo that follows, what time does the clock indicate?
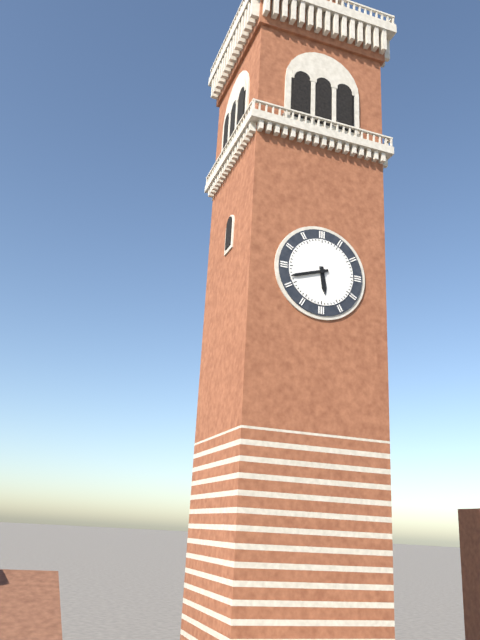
5:42
